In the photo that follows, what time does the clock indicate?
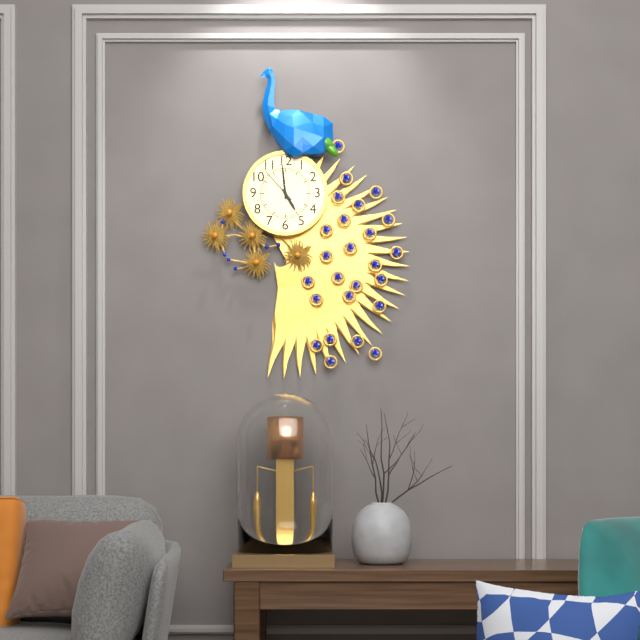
4:59
